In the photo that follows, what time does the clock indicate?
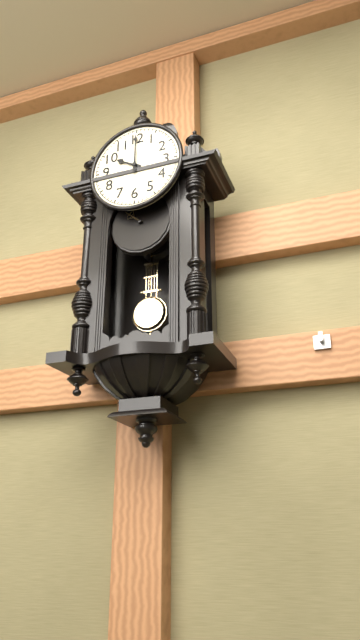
10:00
